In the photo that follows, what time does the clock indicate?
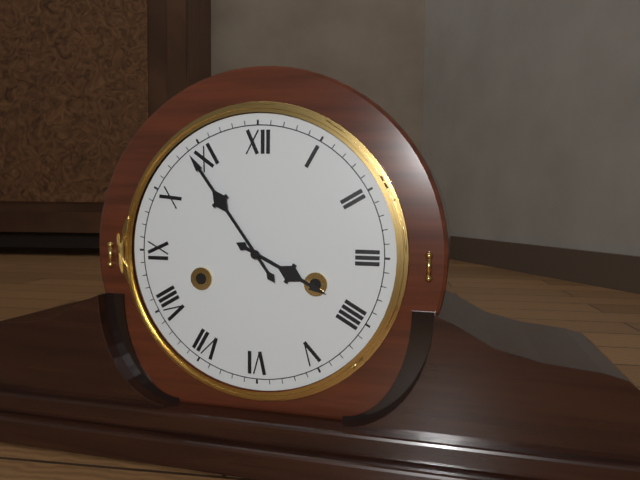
3:54
